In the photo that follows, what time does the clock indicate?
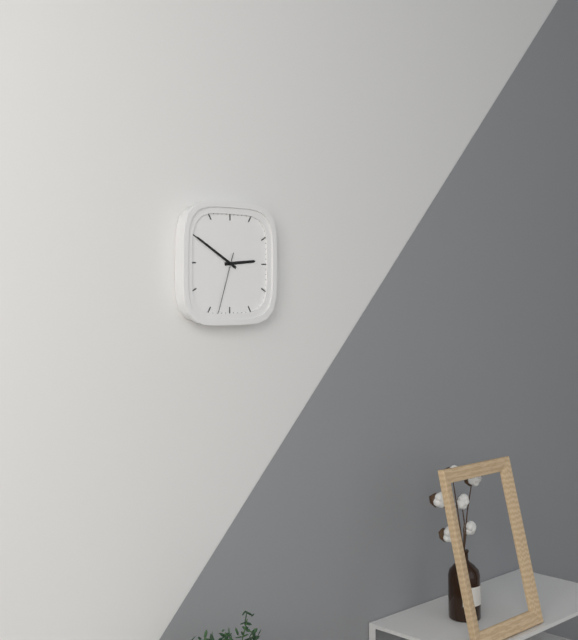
2:50:33
